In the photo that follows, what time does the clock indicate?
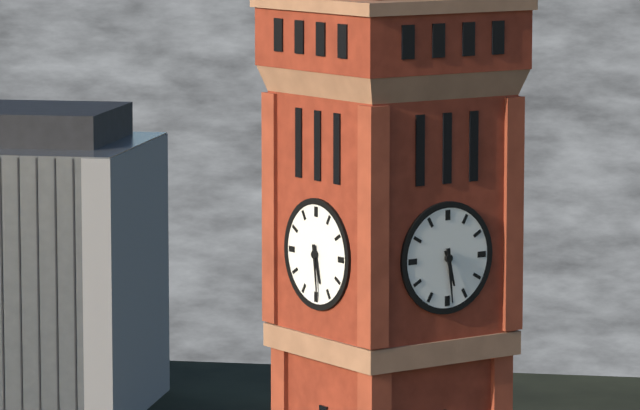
5:29
